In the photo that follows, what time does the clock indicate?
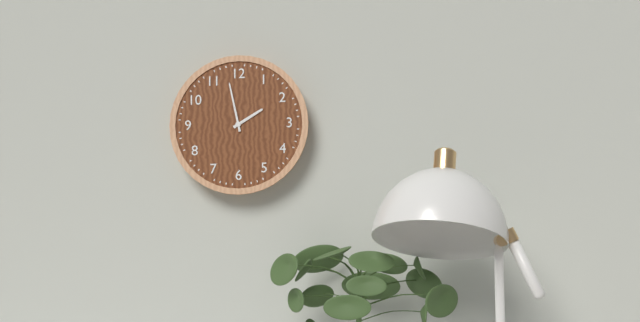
1:58
